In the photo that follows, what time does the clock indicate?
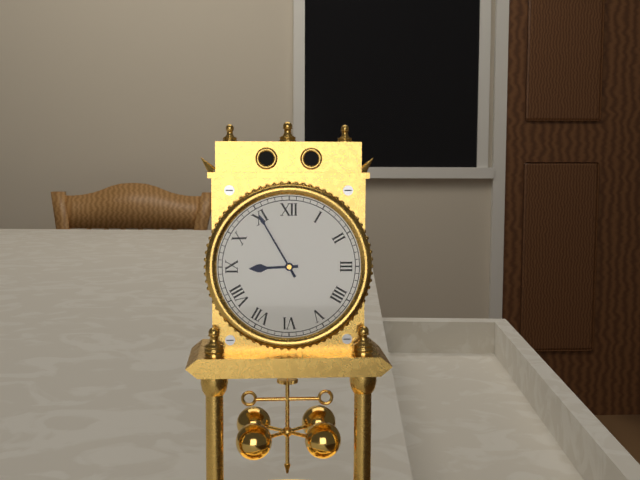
8:55
